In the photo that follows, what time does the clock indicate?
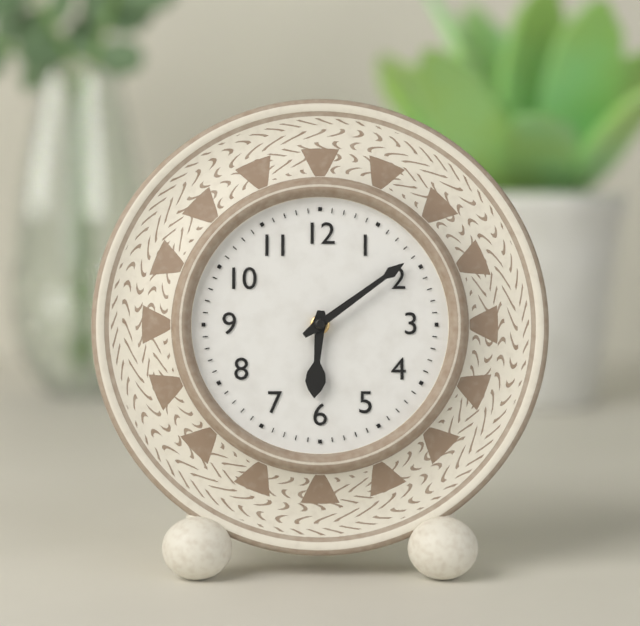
6:09
